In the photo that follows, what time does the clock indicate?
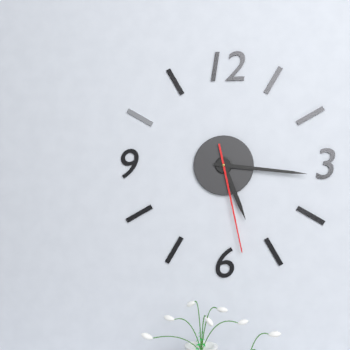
5:16:28
